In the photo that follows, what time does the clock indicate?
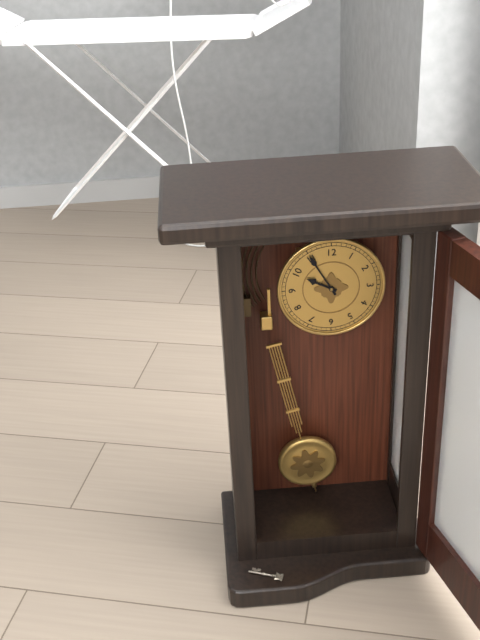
9:55
